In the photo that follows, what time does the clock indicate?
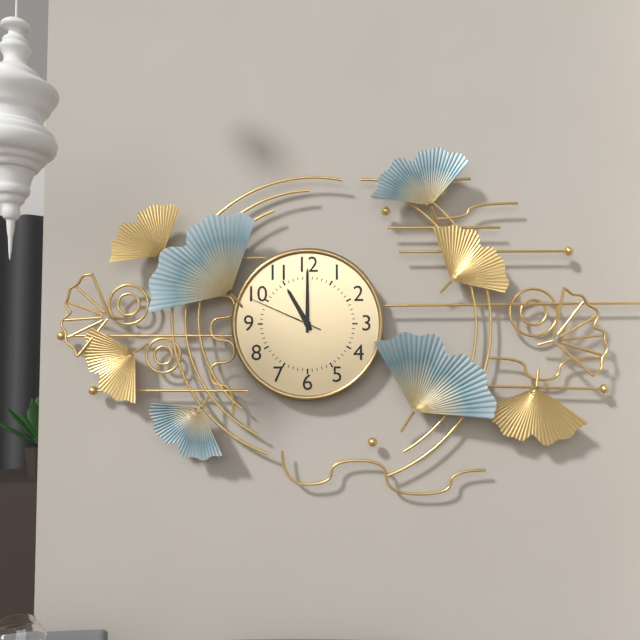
11:00:49
